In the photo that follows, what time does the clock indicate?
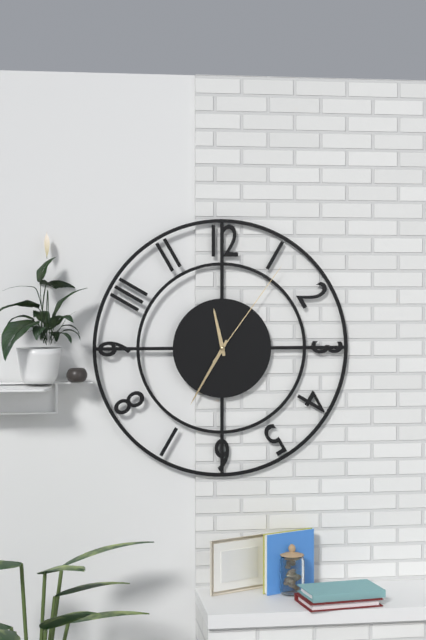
11:35:06
